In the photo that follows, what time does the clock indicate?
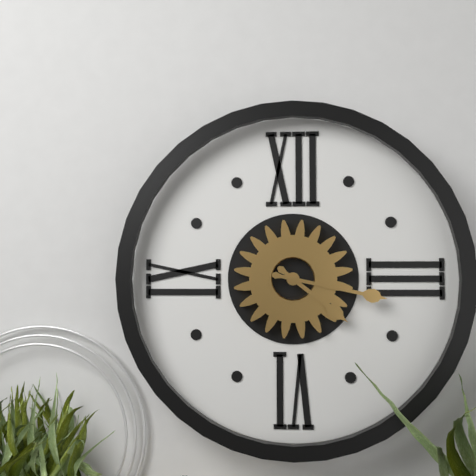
4:17
